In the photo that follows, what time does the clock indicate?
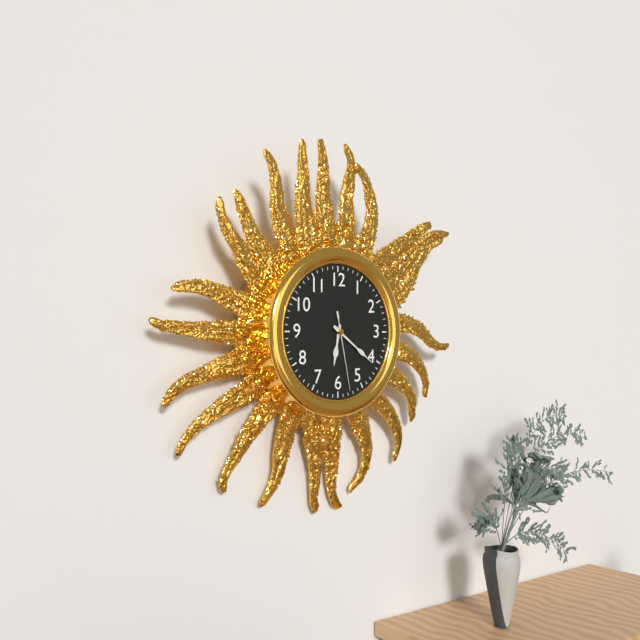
6:21:28
